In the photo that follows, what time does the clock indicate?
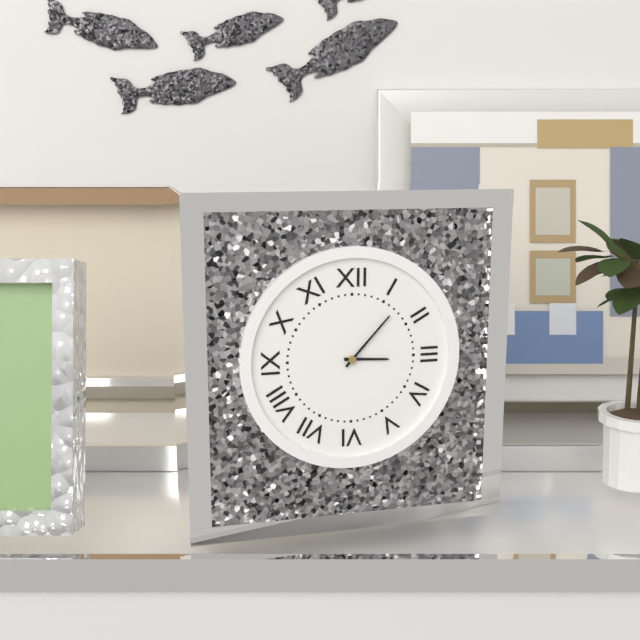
3:07
